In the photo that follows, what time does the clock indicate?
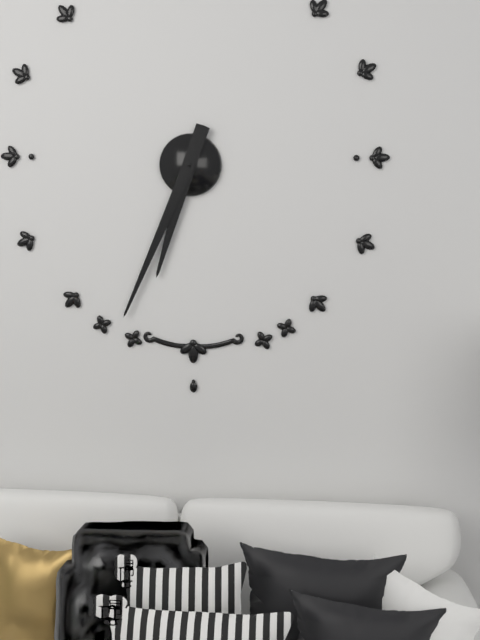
6:34
